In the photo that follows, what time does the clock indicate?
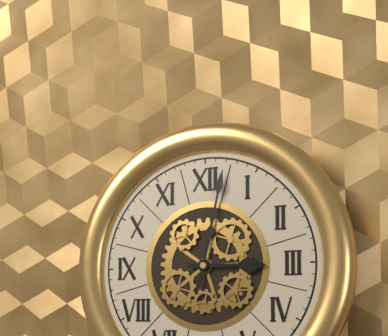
3:02
